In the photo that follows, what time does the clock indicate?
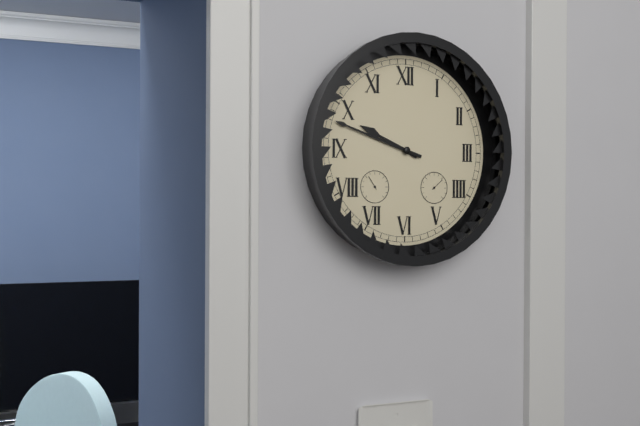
9:48
